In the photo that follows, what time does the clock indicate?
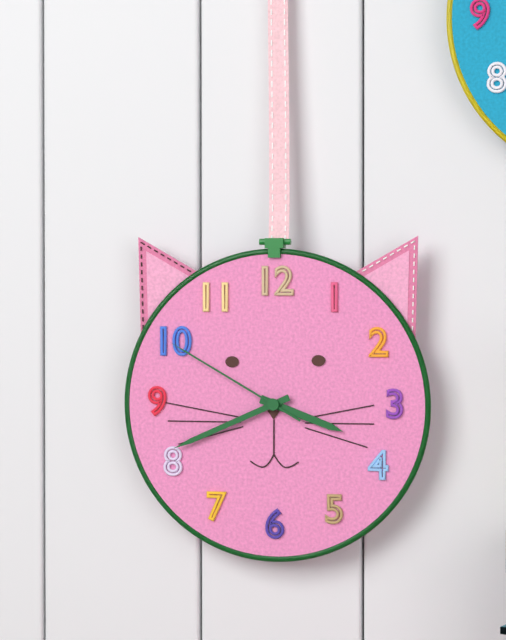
3:41:50
